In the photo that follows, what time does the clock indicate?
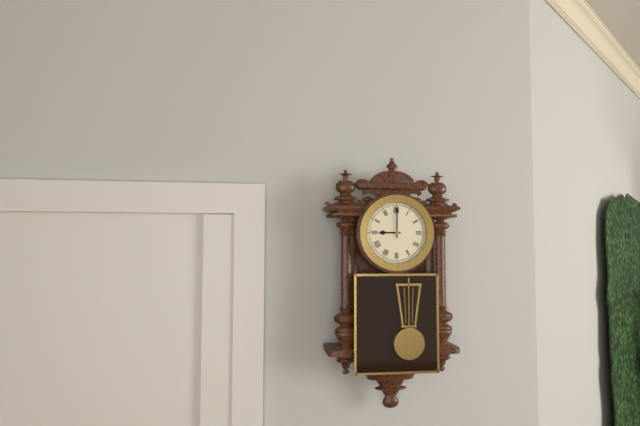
9:00
